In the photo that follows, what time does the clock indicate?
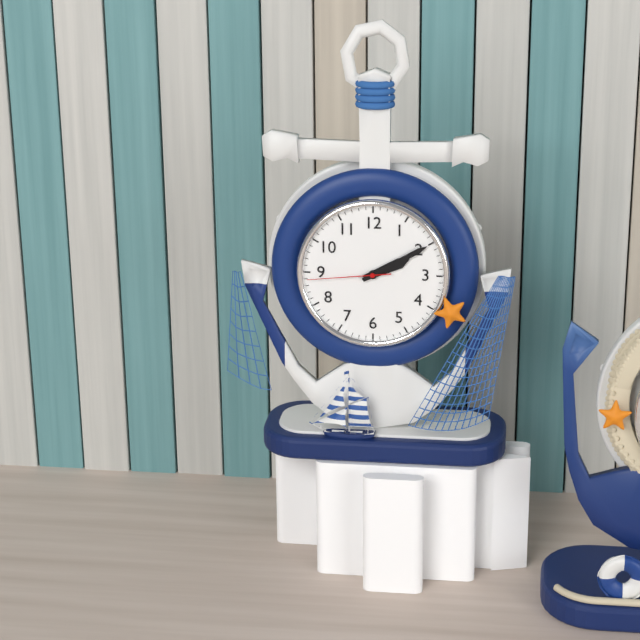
2:10:44
